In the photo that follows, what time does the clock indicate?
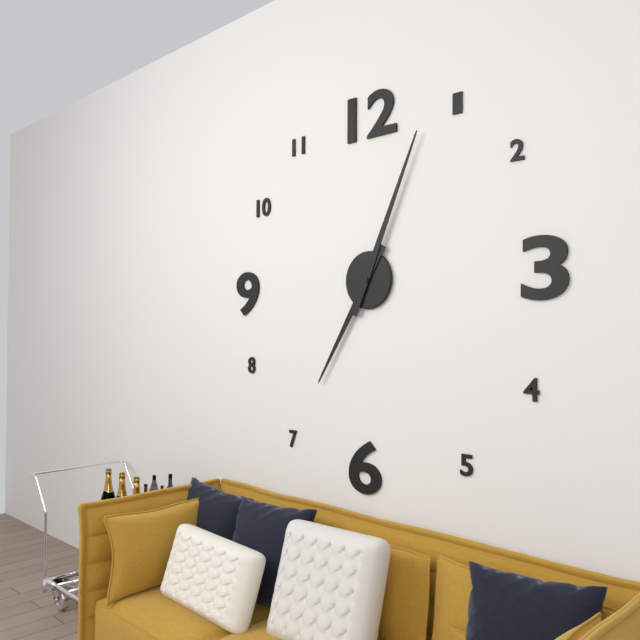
7:04
